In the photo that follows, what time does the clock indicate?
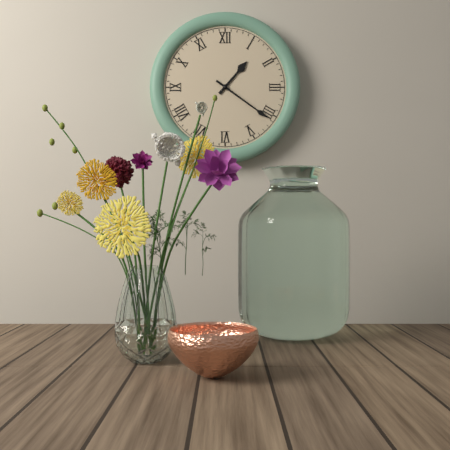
1:21
